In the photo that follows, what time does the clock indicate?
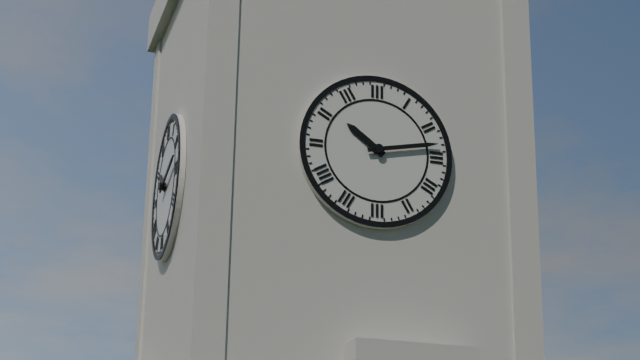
10:13
